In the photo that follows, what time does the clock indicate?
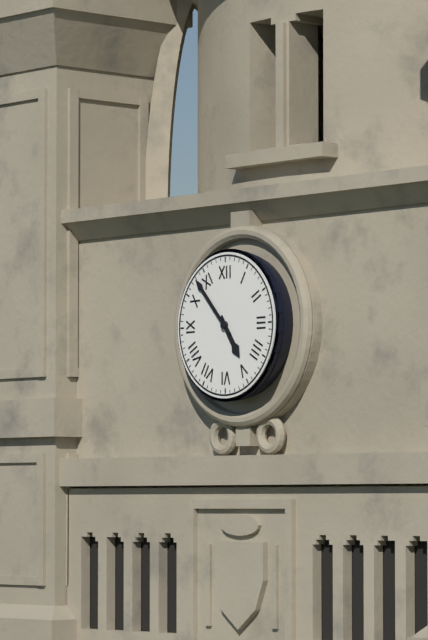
4:53
